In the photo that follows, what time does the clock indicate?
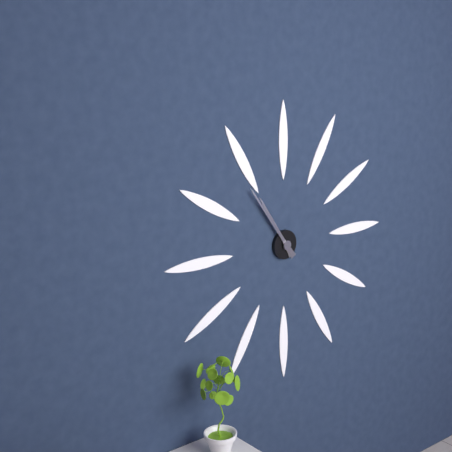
10:54
